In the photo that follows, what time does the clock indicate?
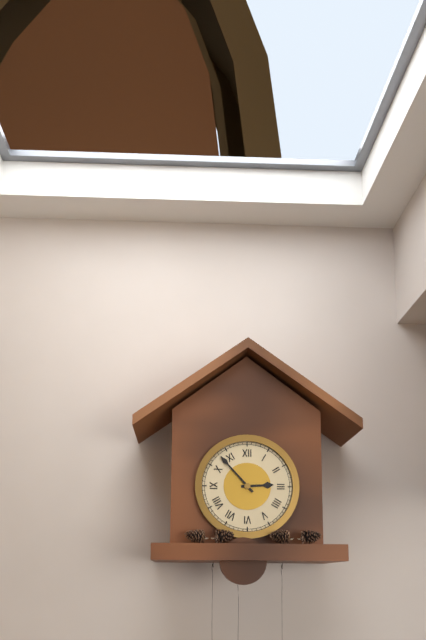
2:53
